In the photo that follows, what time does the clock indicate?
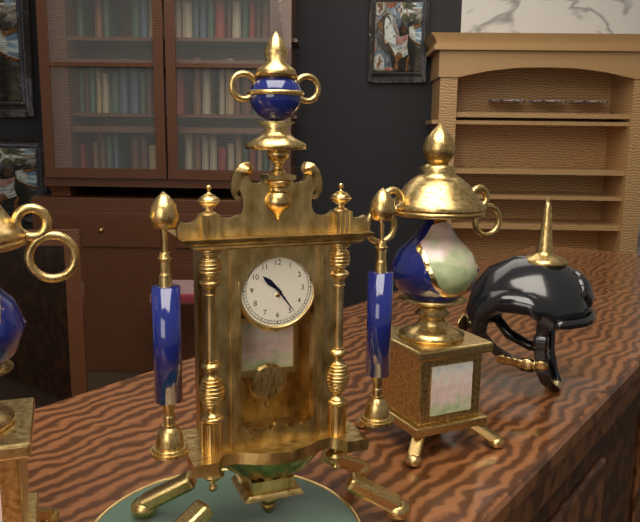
10:24
